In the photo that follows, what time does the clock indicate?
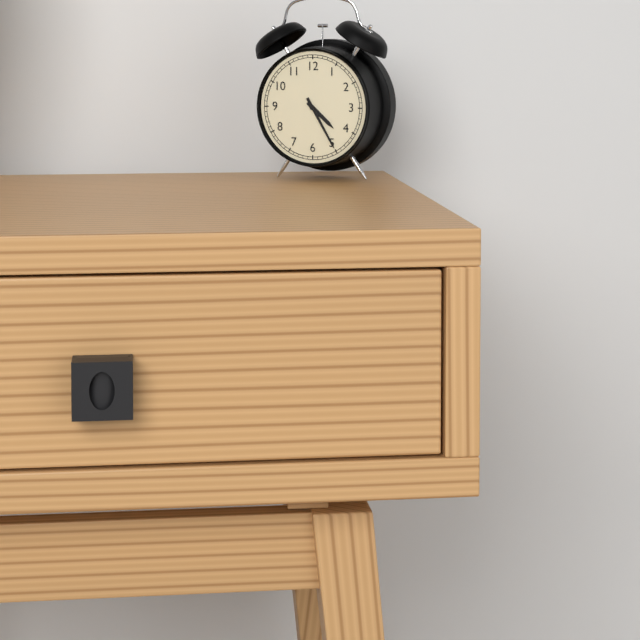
4:25
